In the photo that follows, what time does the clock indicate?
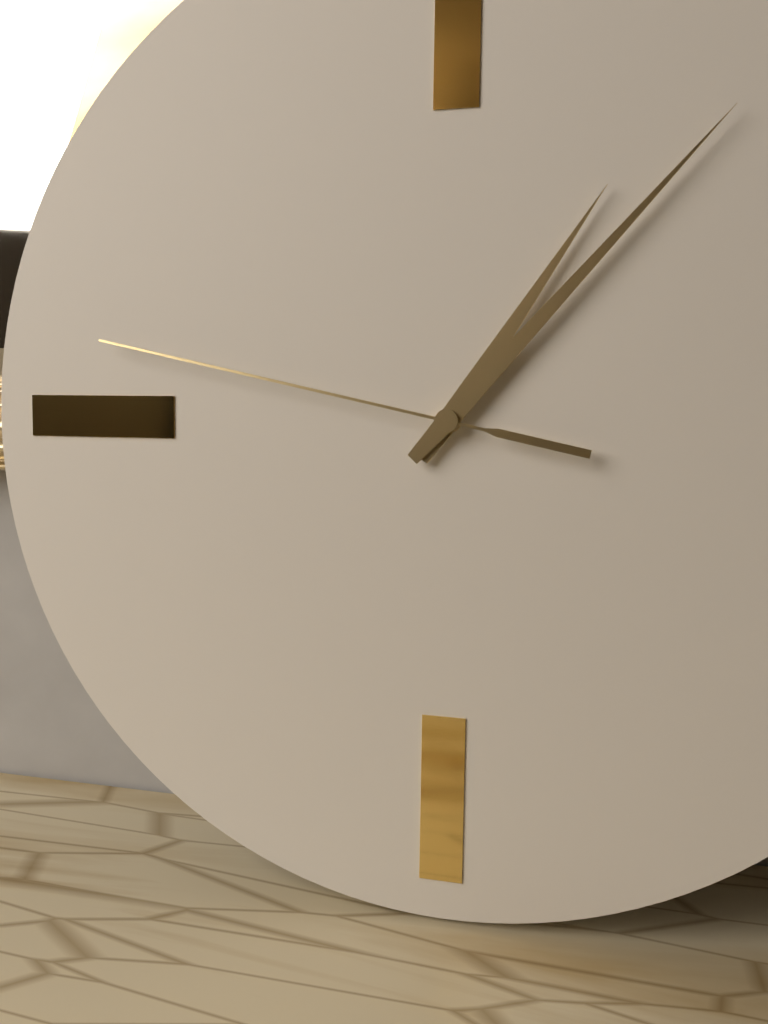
1:07:47
